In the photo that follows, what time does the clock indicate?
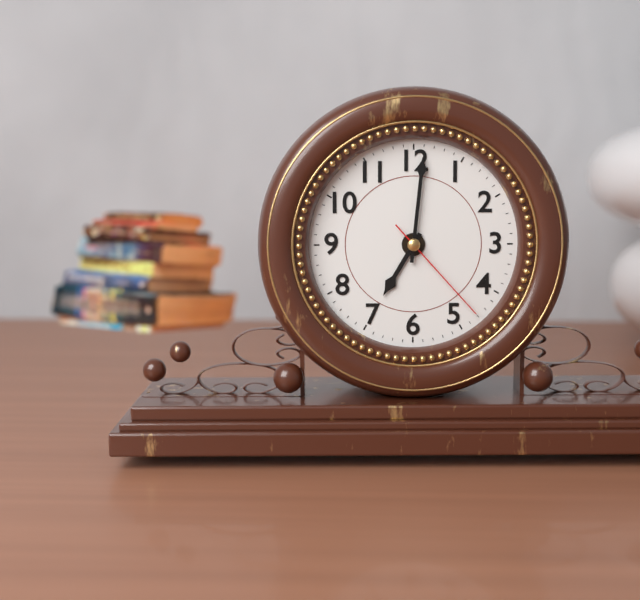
7:01:23
